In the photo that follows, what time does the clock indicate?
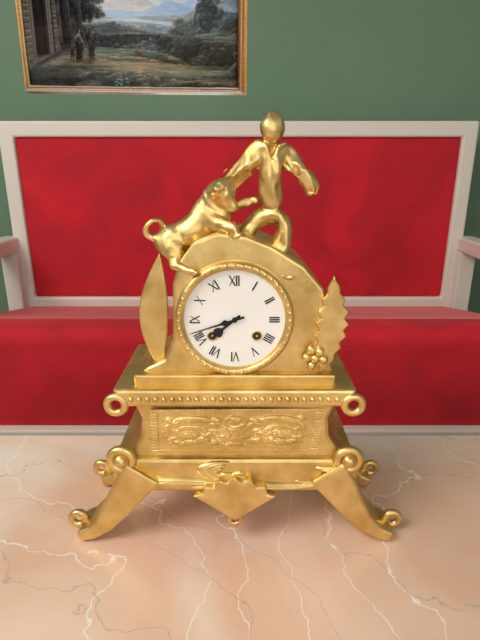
7:42
